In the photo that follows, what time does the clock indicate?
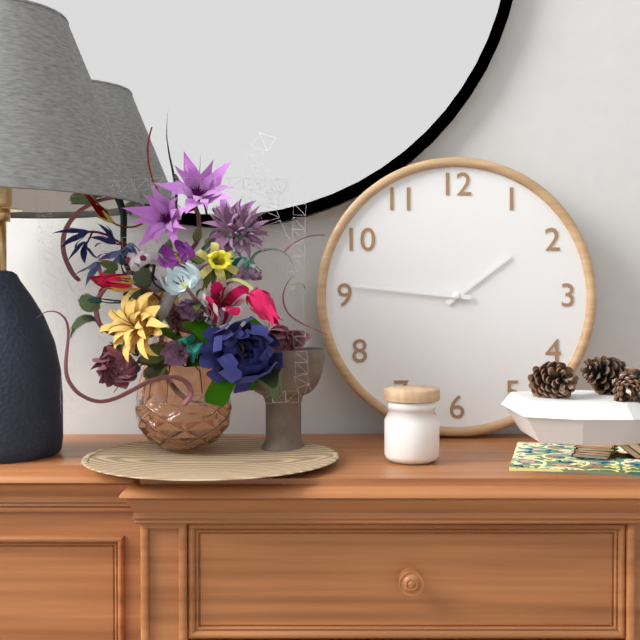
1:46
